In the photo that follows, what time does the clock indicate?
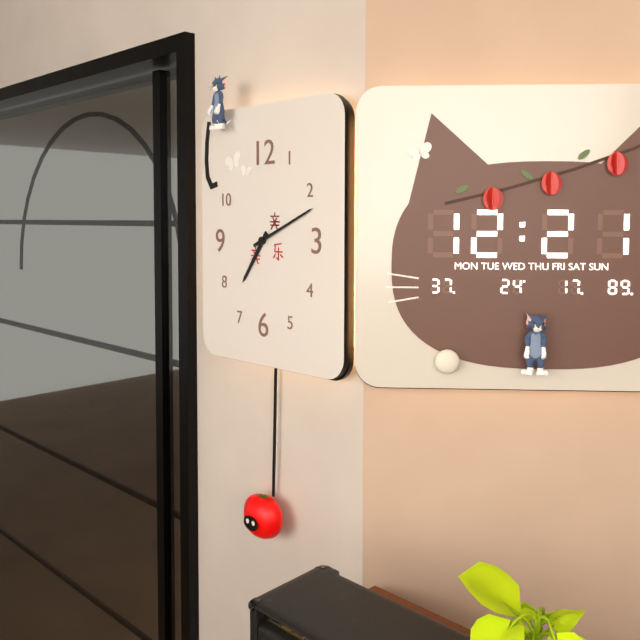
7:11
